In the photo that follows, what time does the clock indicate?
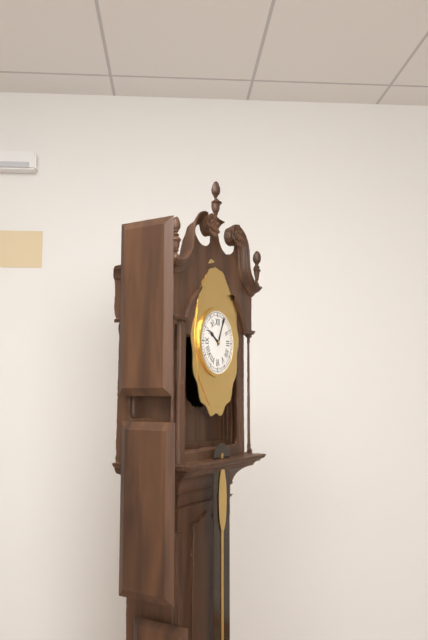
10:04
